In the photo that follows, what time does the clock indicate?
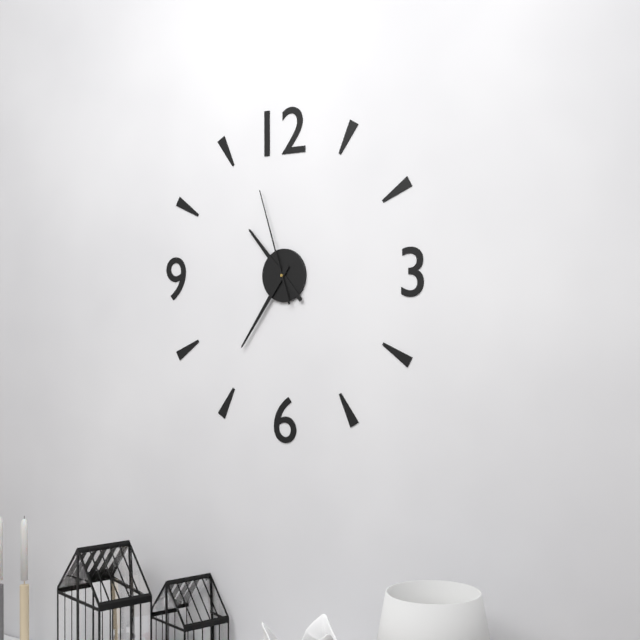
10:36:57
